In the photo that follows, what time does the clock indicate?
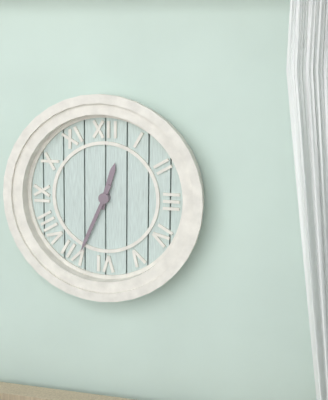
12:34
